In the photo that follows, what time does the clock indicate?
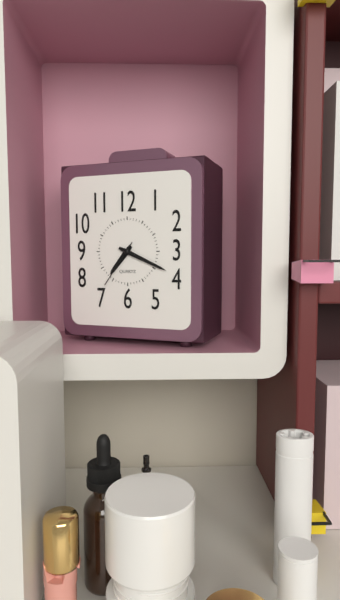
7:19:36
